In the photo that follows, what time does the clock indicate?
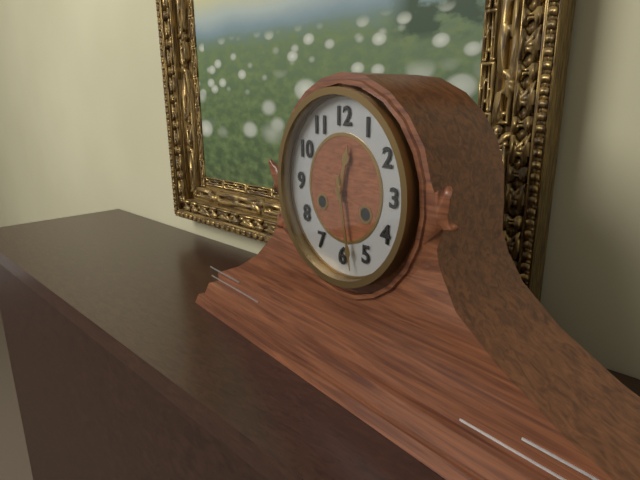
12:28
